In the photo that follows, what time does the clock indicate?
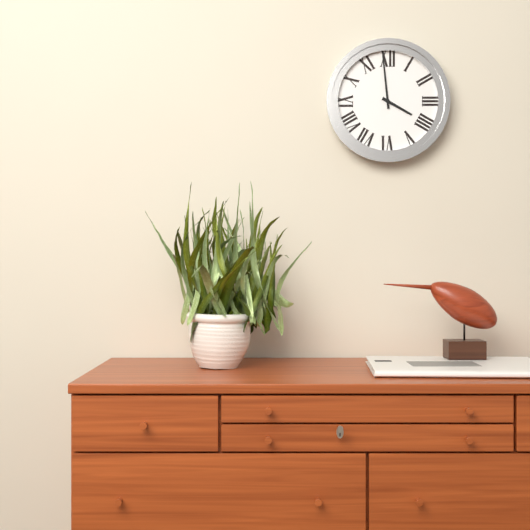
3:59
